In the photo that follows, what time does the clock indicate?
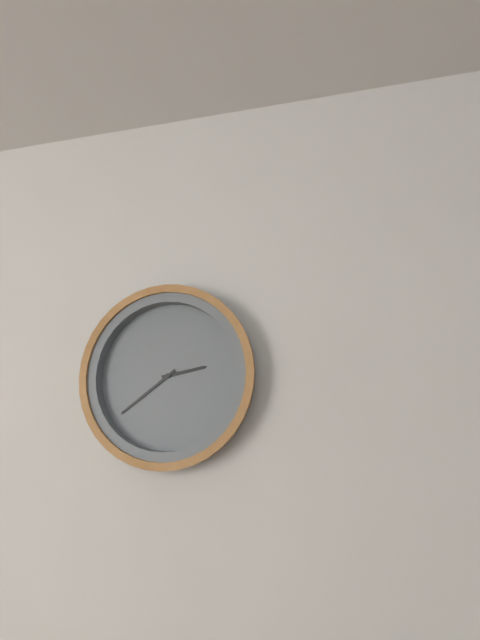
2:39
